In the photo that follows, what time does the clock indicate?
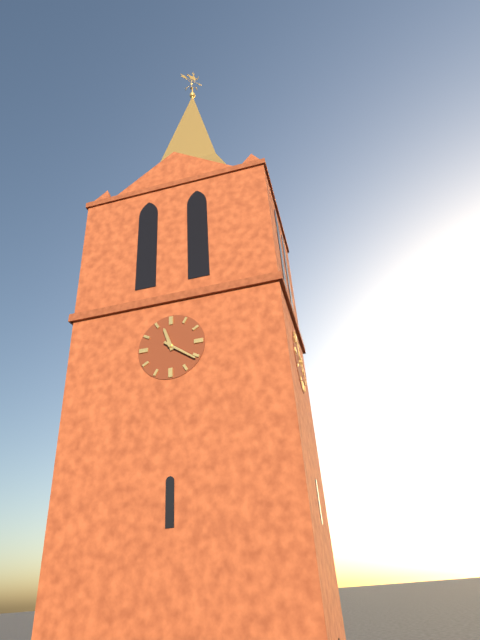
11:21
